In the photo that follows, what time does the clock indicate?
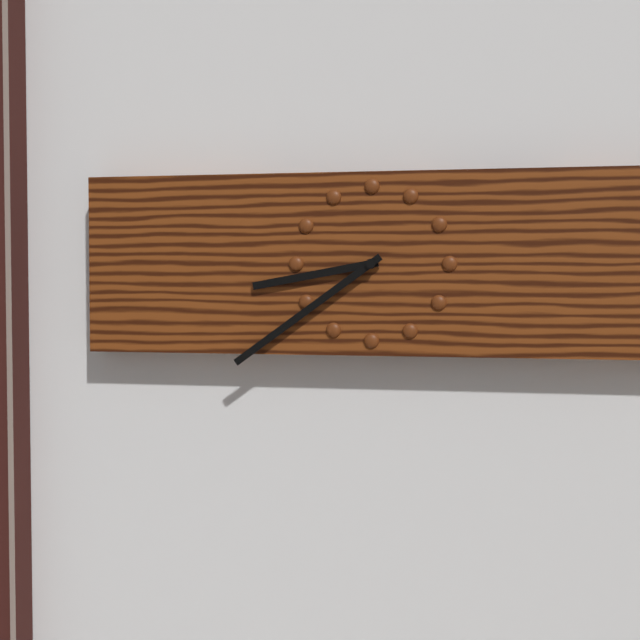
8:39
